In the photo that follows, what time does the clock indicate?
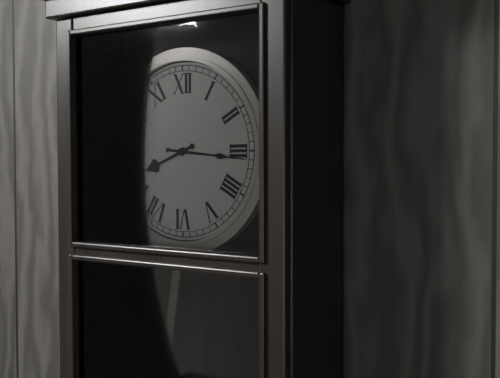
8:16
